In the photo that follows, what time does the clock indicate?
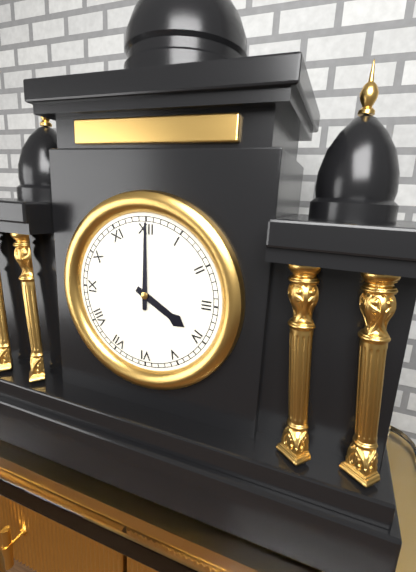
4:00
